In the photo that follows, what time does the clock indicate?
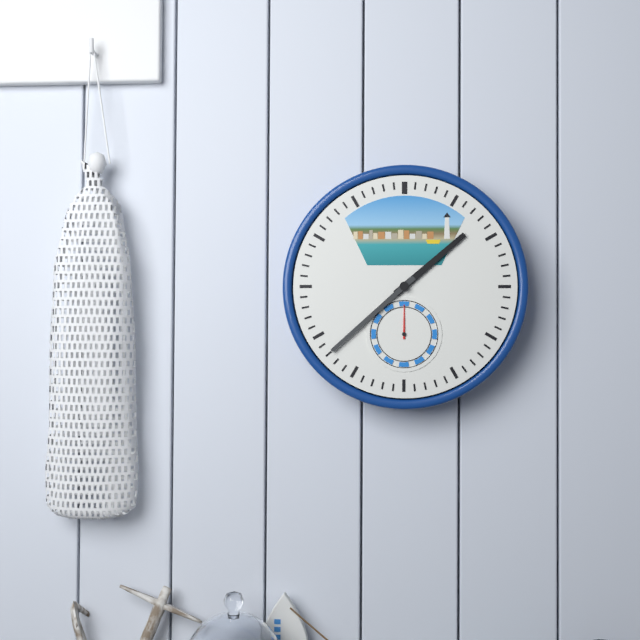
1:38
